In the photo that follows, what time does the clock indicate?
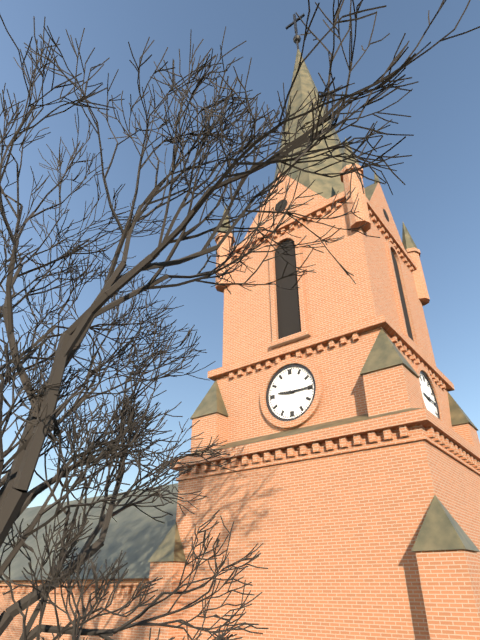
9:15
